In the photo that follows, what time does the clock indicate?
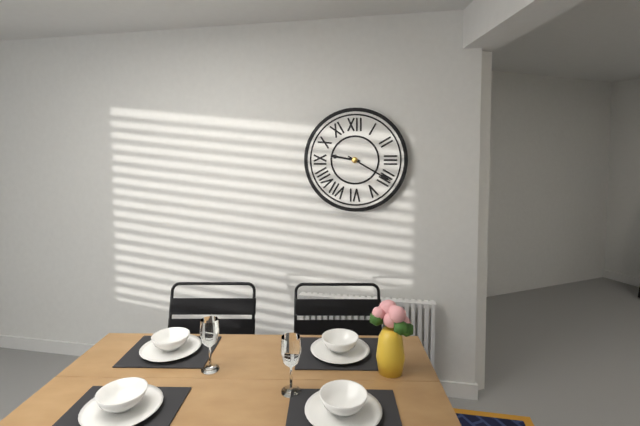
9:20
